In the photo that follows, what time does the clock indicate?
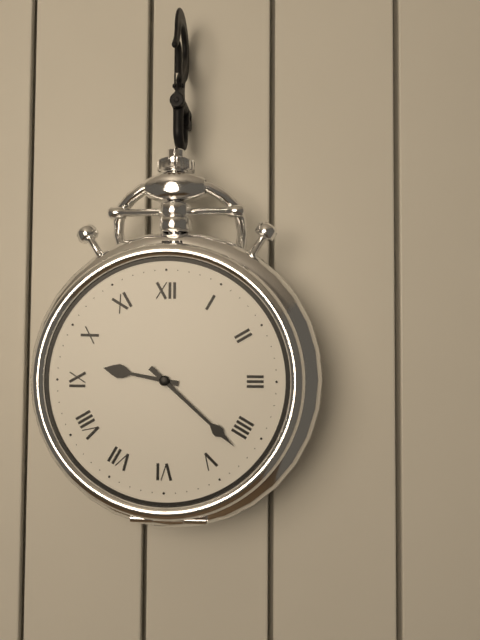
9:22
